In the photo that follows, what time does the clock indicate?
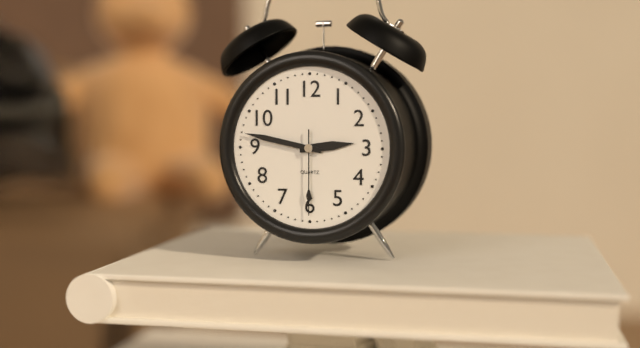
2:47:30
